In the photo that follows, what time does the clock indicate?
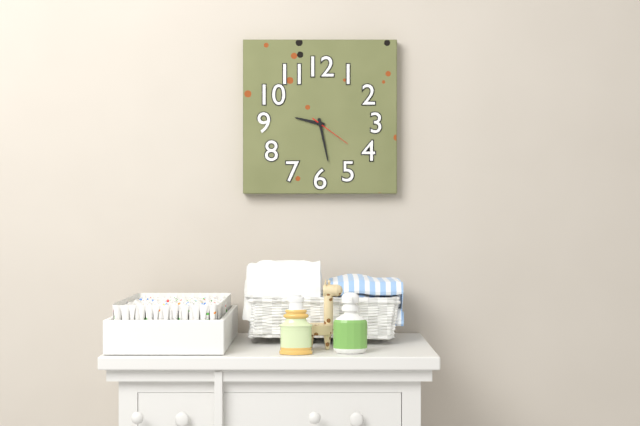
9:28
